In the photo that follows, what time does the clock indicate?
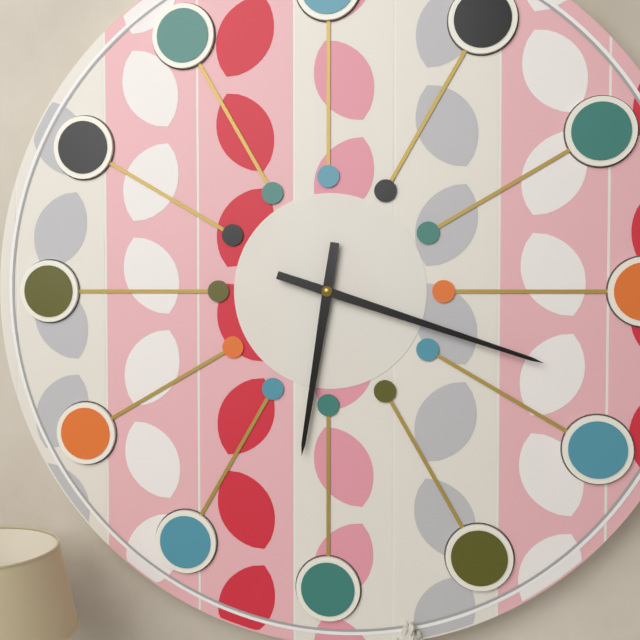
6:18
